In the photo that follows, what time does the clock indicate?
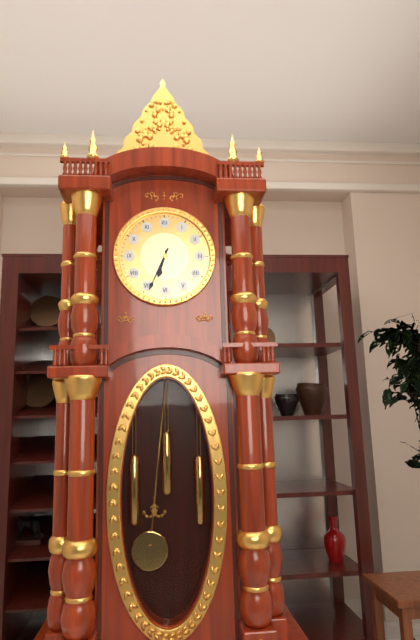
6:34
